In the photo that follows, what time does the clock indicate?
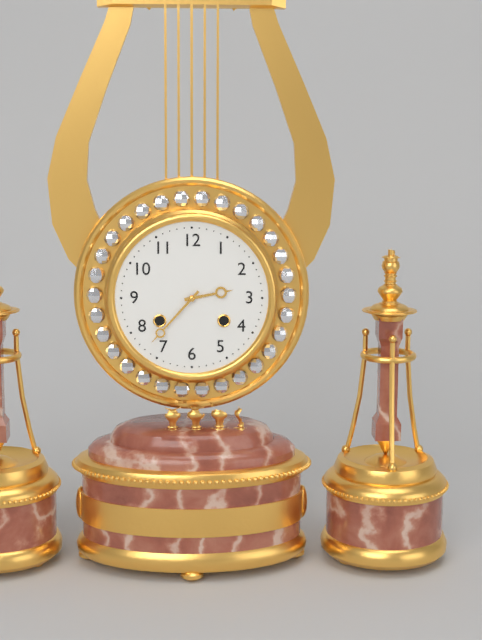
2:37
